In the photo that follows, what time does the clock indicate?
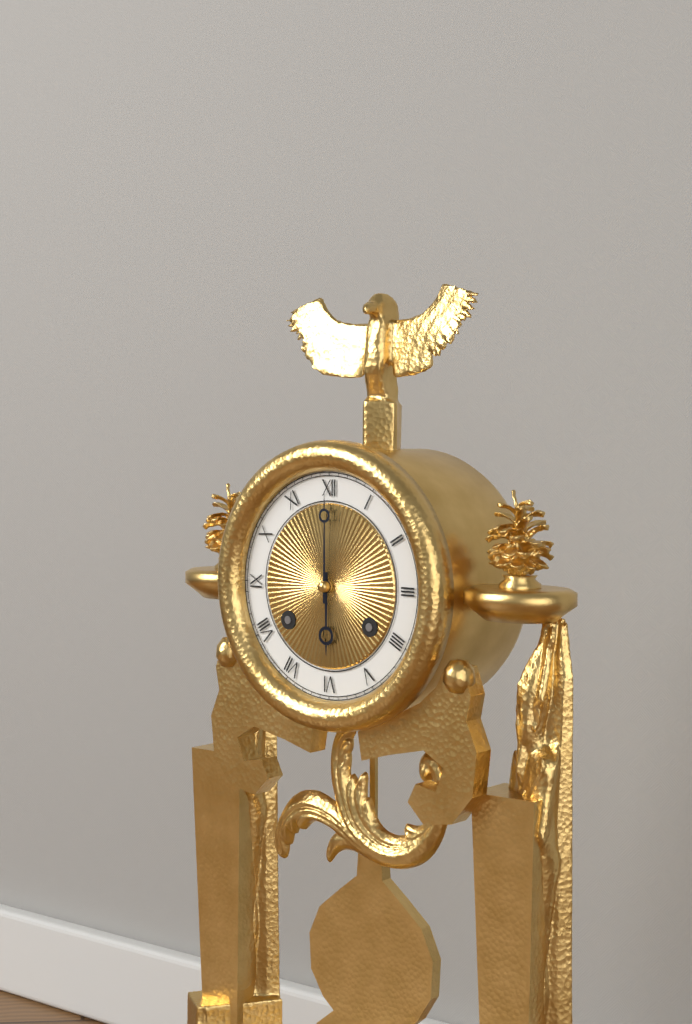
6:00
